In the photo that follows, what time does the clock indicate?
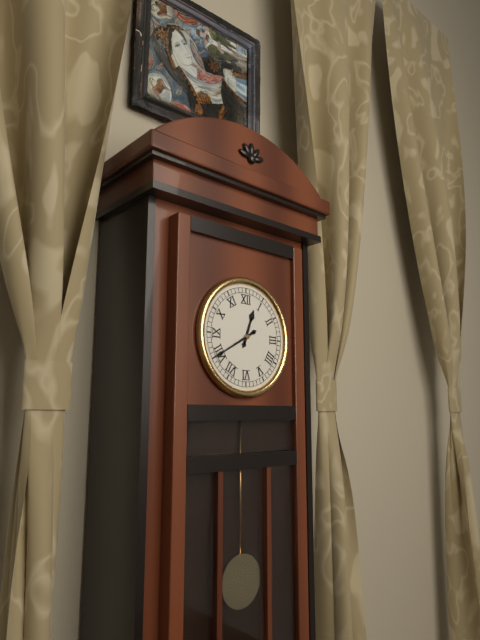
12:40
